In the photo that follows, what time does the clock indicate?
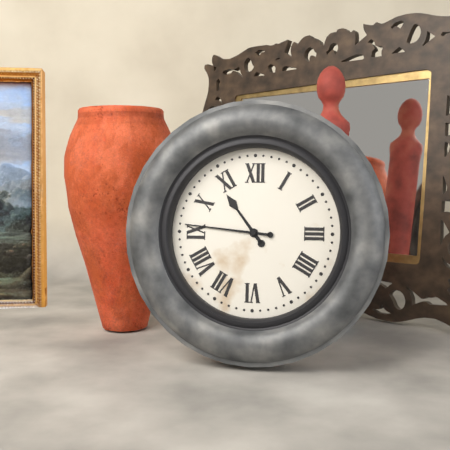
10:46
